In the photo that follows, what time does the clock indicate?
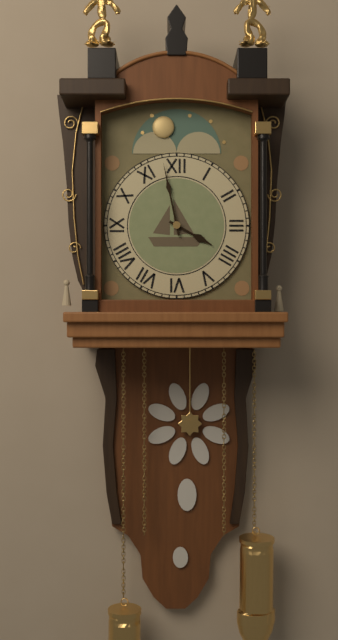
3:58
